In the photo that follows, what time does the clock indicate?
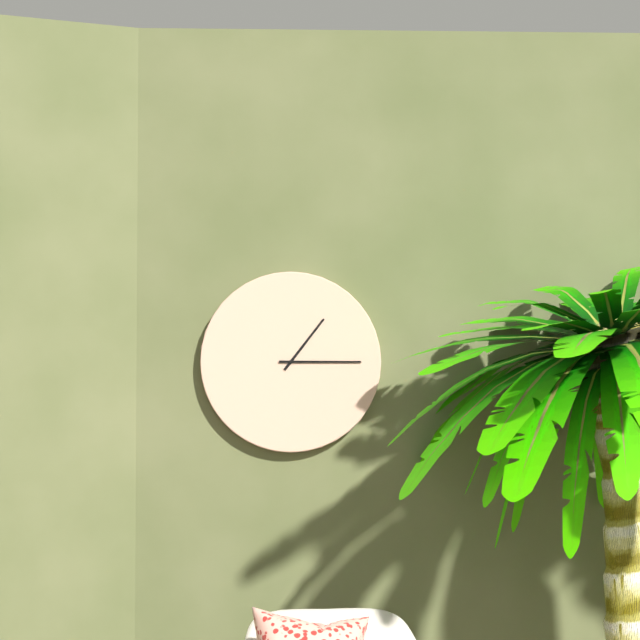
1:15
